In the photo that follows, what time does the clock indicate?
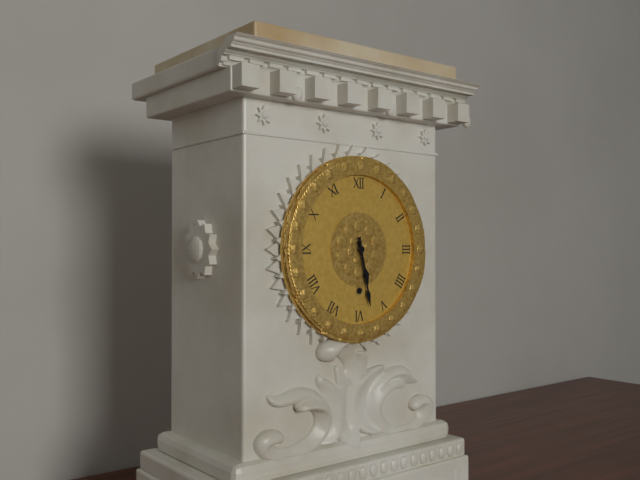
5:28
